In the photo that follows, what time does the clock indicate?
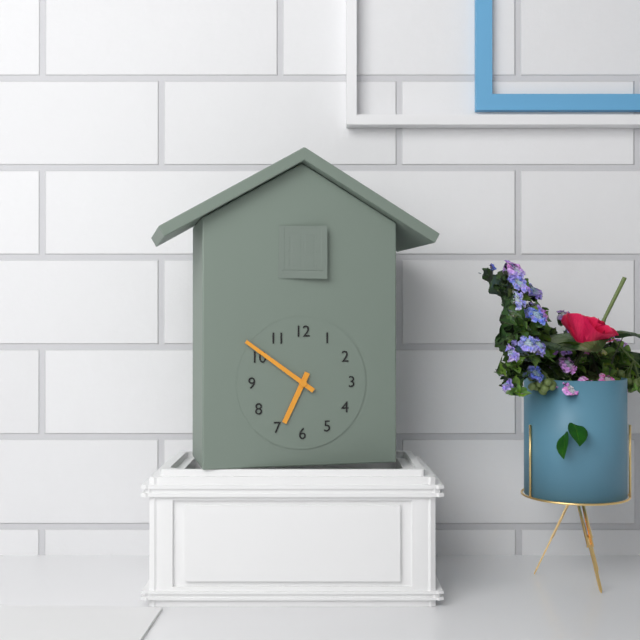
6:51
